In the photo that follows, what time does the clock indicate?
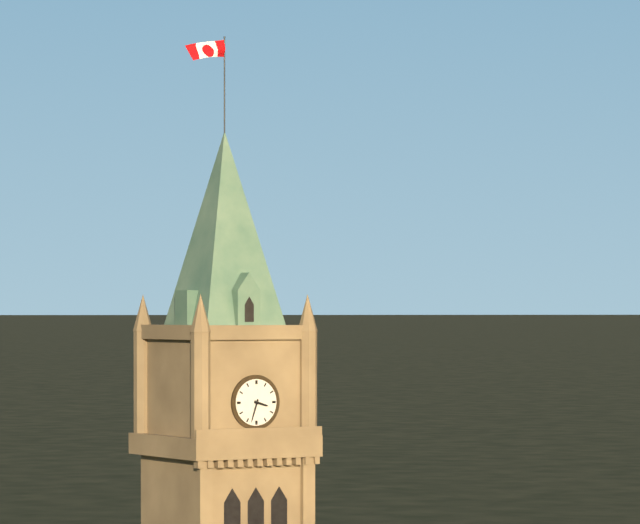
3:33
